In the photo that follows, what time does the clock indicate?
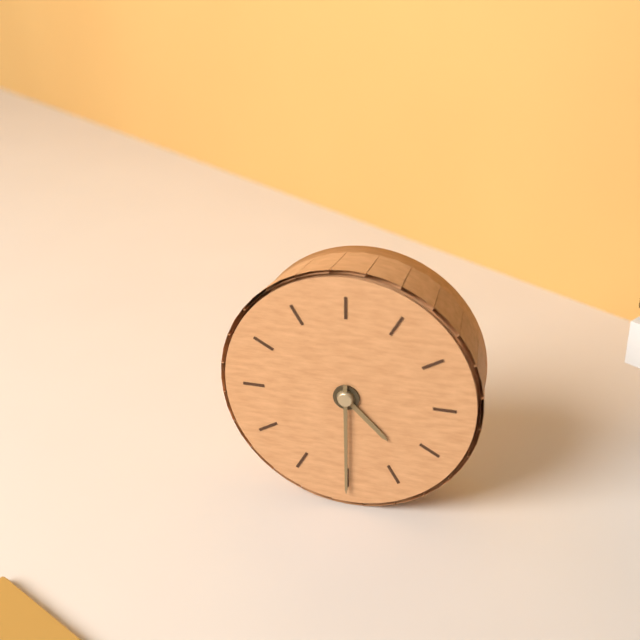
4:30
